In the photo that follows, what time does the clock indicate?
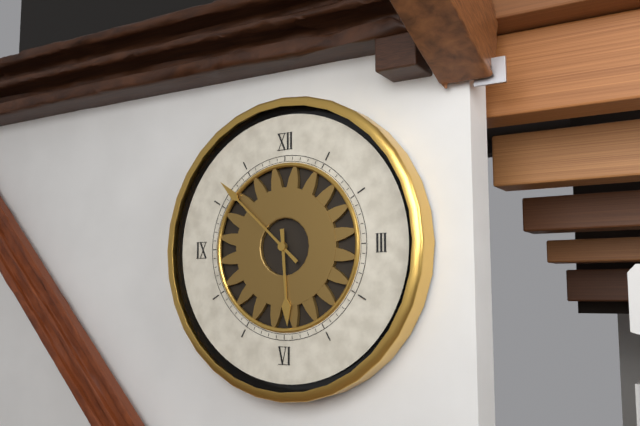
5:52
